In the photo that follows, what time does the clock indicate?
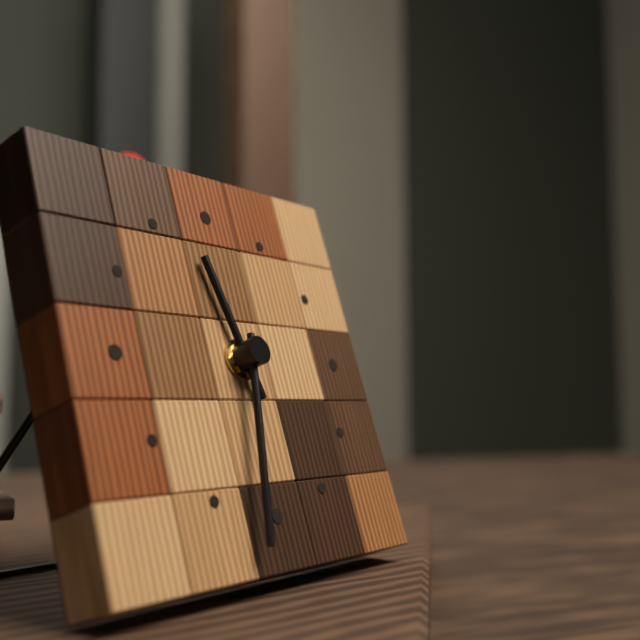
11:32
